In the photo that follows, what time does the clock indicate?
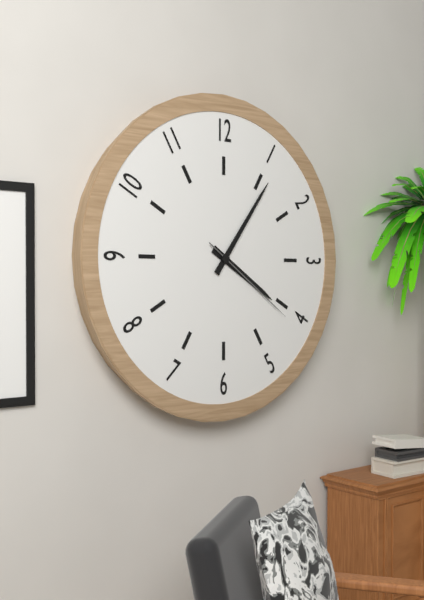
4:06:21
